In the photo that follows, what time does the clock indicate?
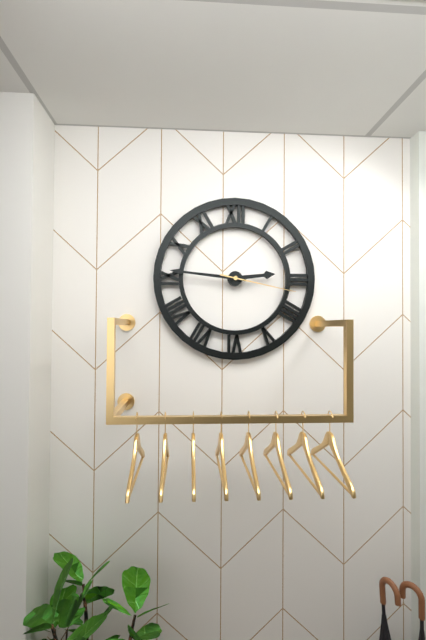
2:46:17
